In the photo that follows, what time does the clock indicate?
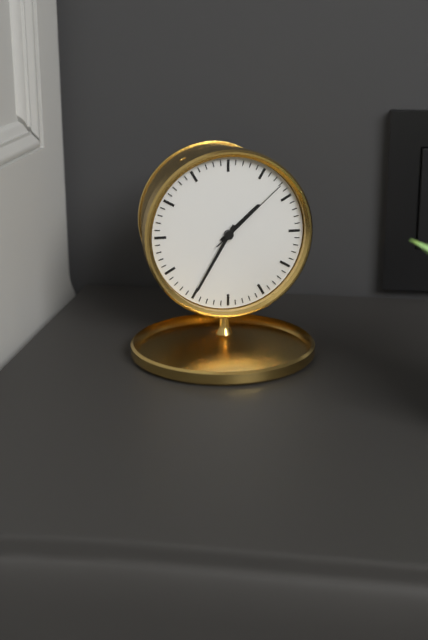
1:35:08
